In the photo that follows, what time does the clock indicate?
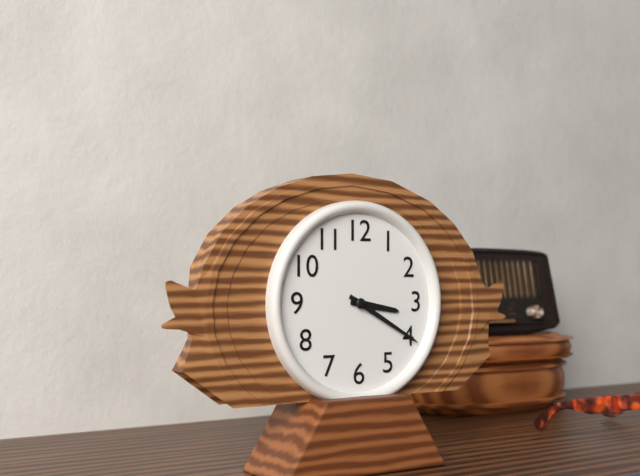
3:20
